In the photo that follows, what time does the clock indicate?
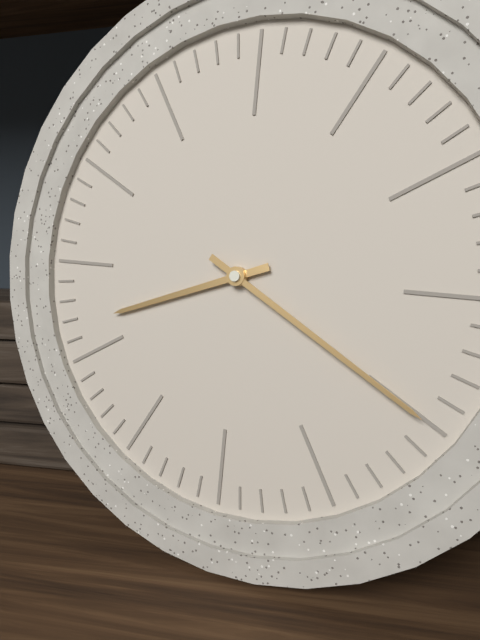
8:20
